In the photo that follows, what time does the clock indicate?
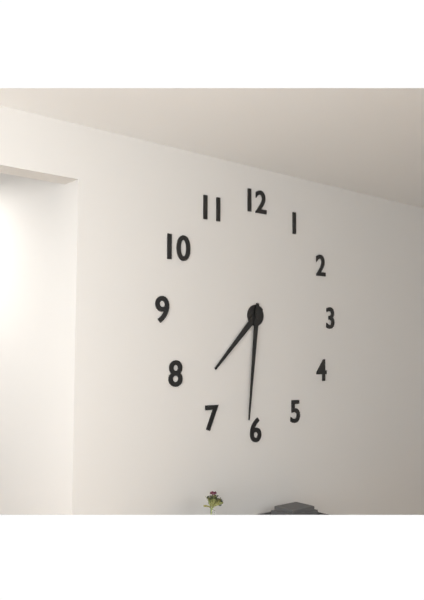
7:31
